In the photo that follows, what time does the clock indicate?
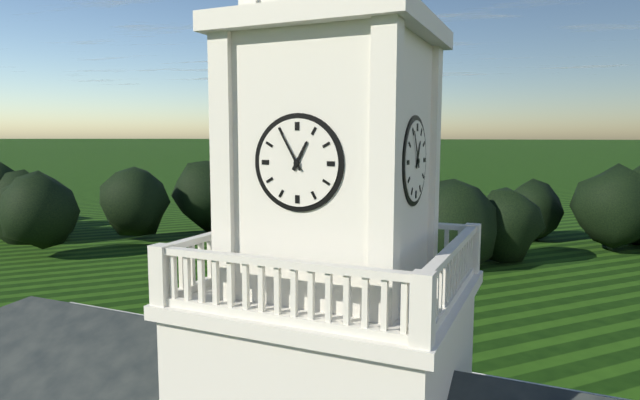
12:55
